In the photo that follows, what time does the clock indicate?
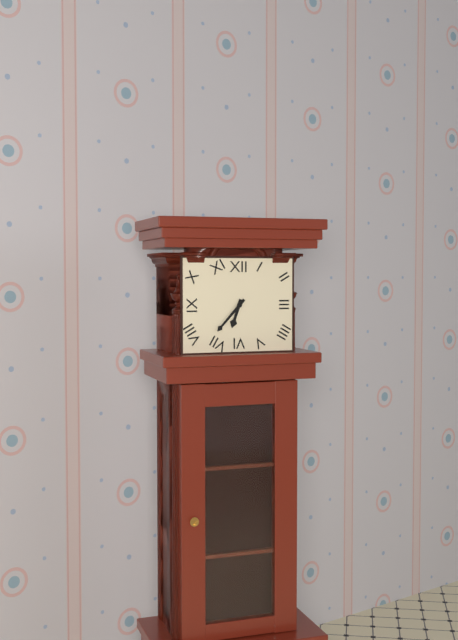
6:37
